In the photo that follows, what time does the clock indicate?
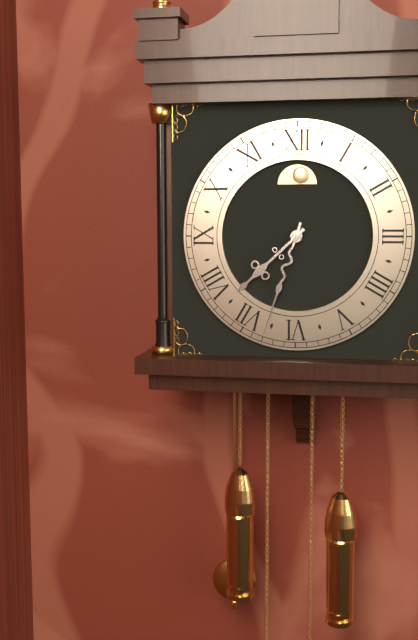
7:33
